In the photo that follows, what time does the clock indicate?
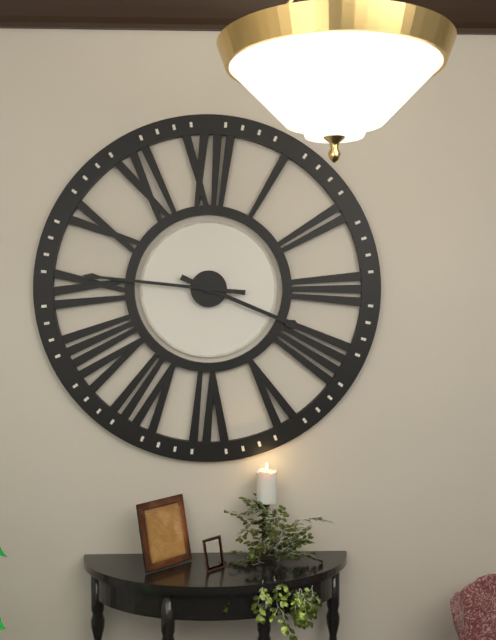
3:46
